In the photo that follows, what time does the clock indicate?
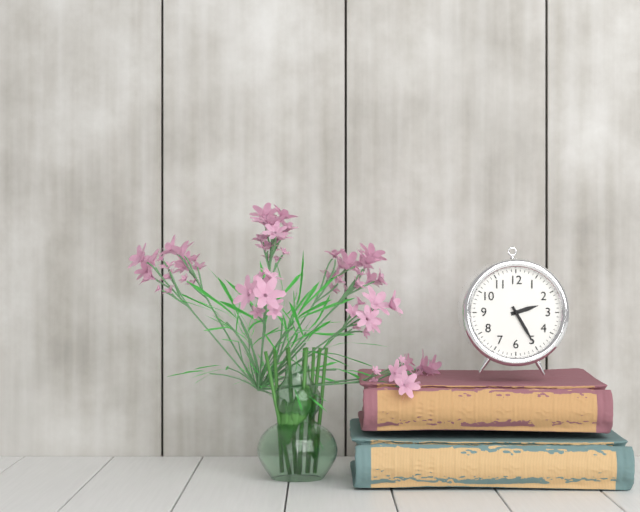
2:25
